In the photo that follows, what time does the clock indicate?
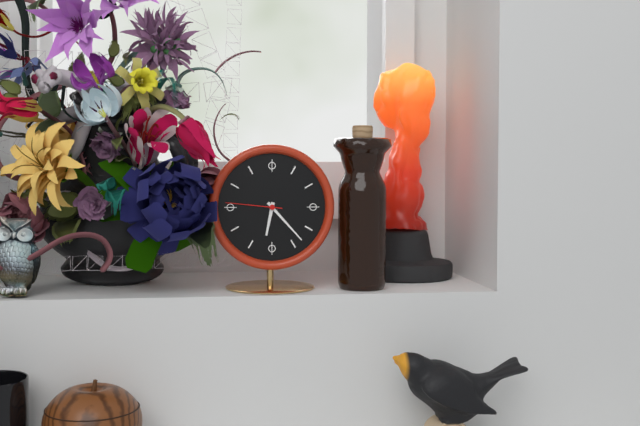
6:23:46
